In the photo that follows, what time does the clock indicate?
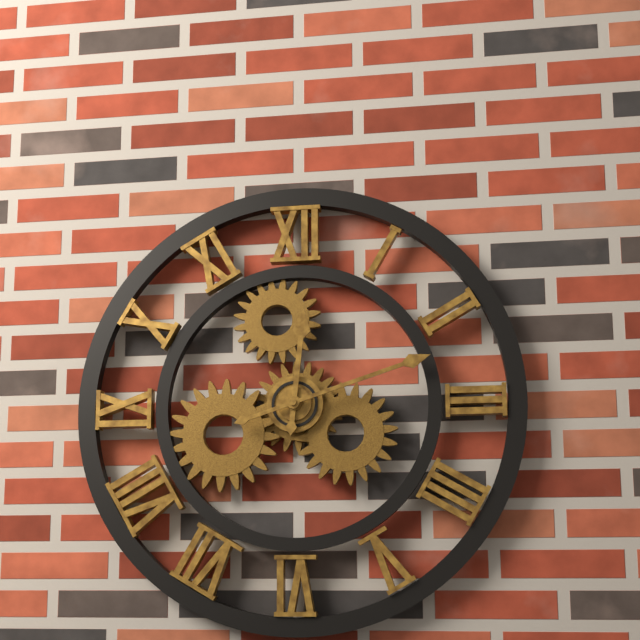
12:12
